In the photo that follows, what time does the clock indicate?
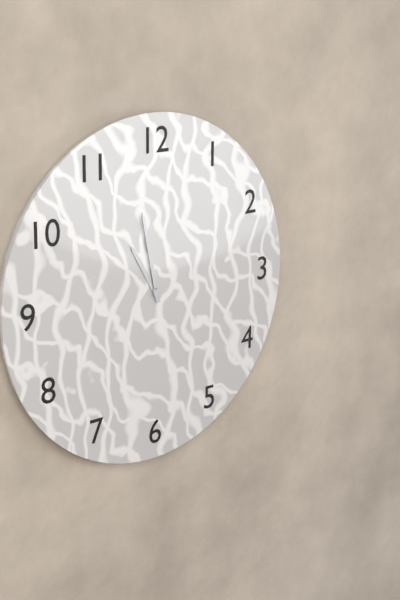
10:58
